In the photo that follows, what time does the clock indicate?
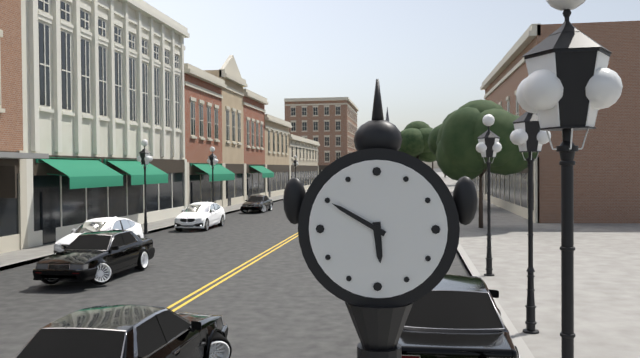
5:50
